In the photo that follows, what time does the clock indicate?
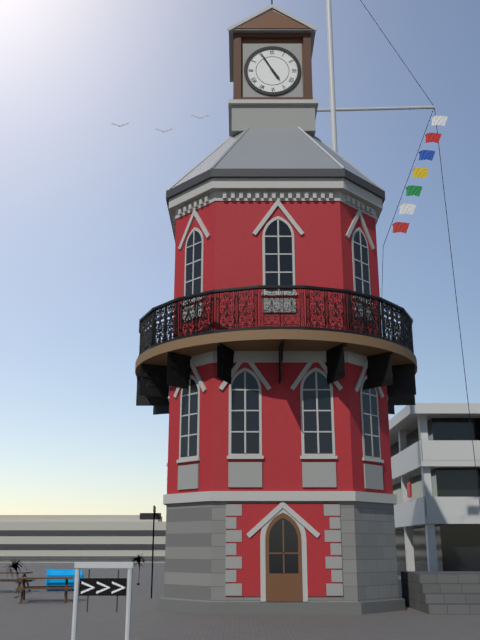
4:55
